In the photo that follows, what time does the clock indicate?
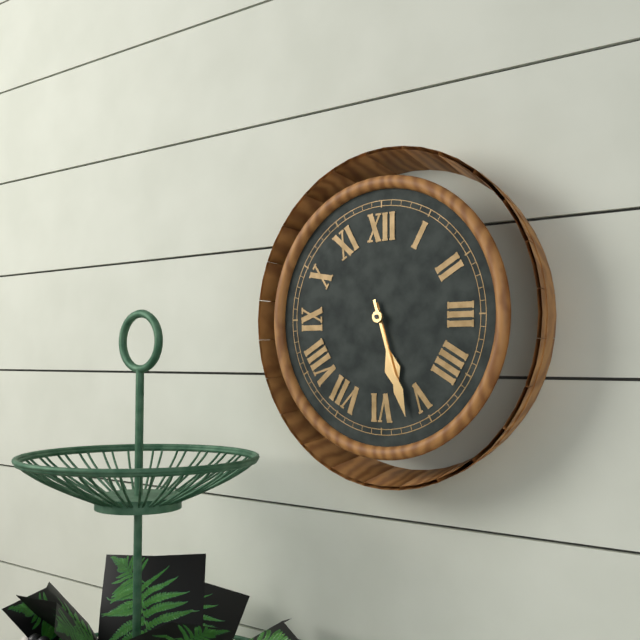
5:27
